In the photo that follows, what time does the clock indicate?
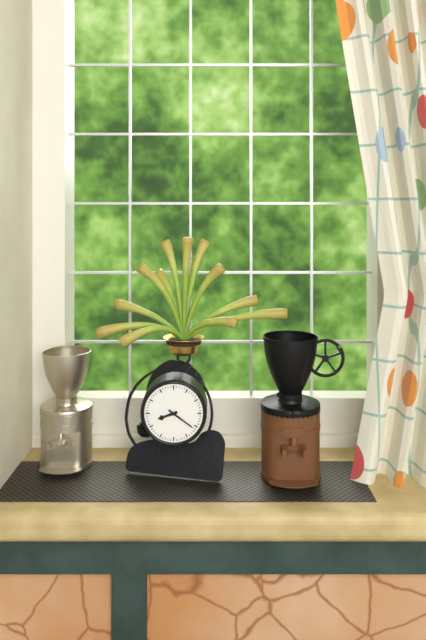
8:21
